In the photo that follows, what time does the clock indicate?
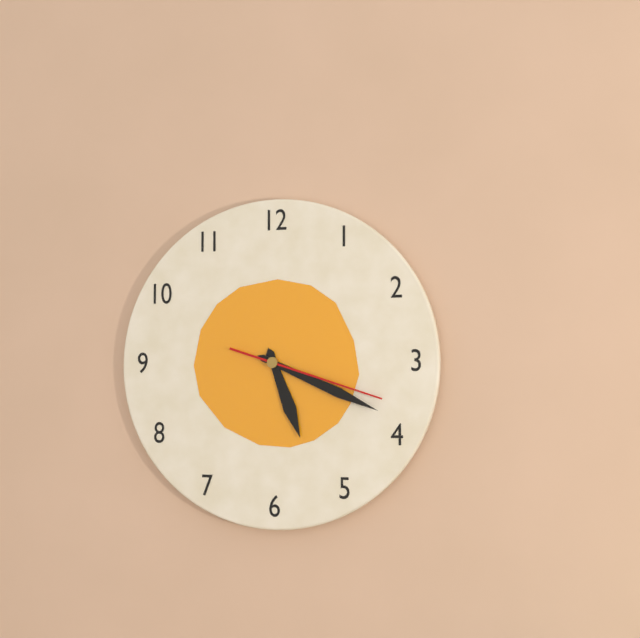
5:19:18
